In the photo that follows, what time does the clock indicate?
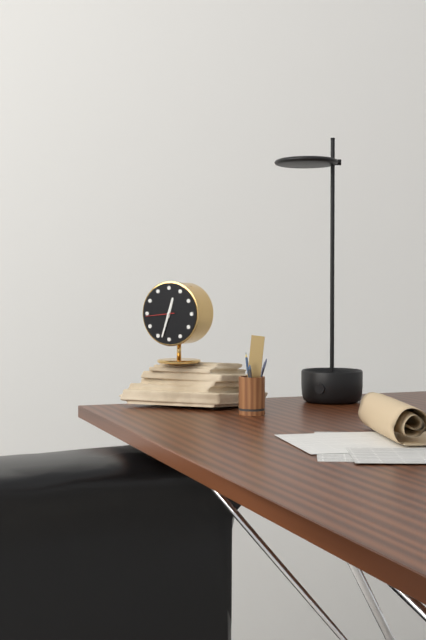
12:33
